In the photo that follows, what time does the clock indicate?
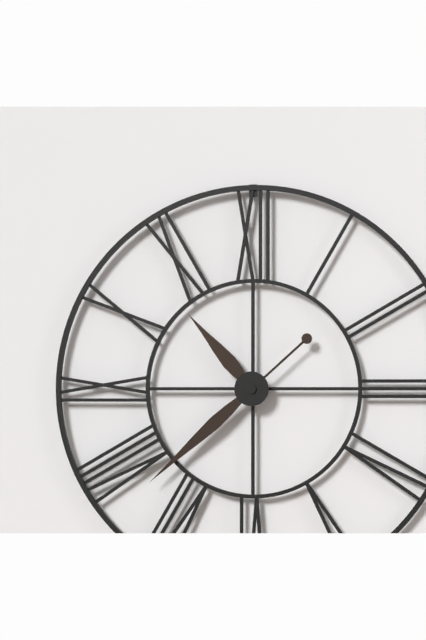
10:38
